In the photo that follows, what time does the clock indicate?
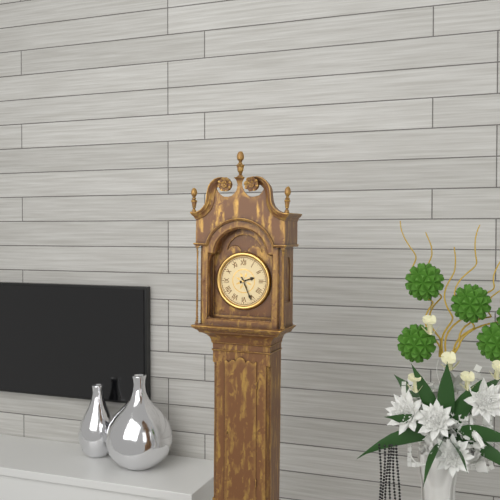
2:26
